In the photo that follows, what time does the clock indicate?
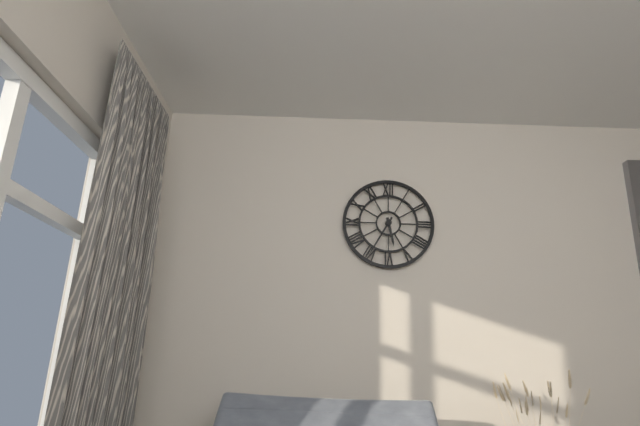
5:35
